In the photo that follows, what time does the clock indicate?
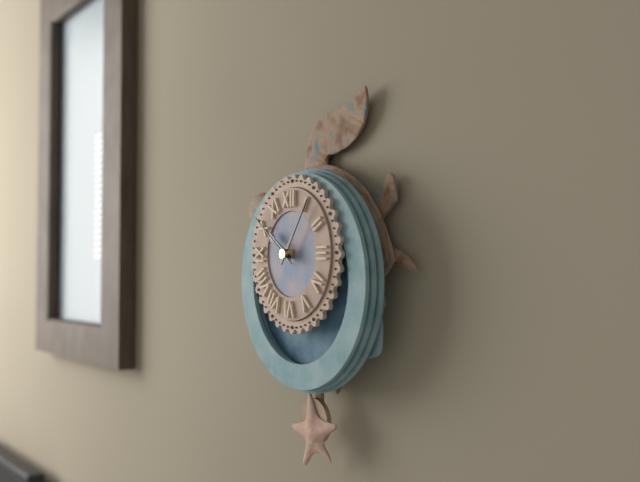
10:06:51
